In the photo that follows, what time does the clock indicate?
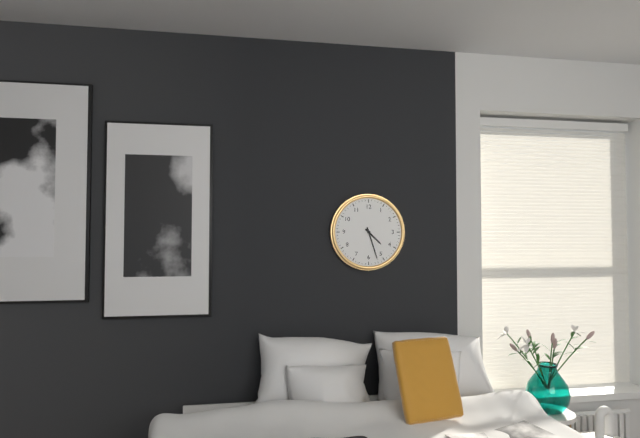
4:27
